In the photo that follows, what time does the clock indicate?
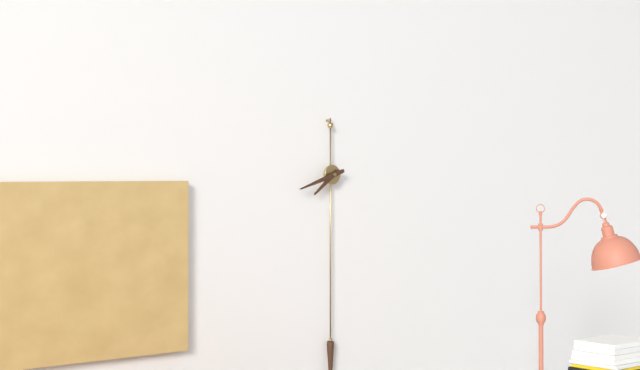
7:42
